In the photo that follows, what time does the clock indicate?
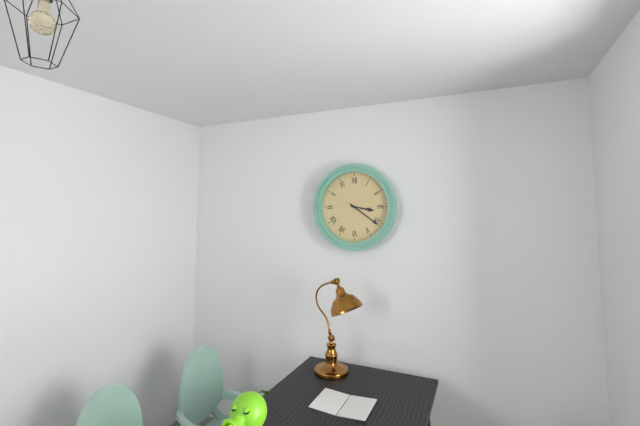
3:21
